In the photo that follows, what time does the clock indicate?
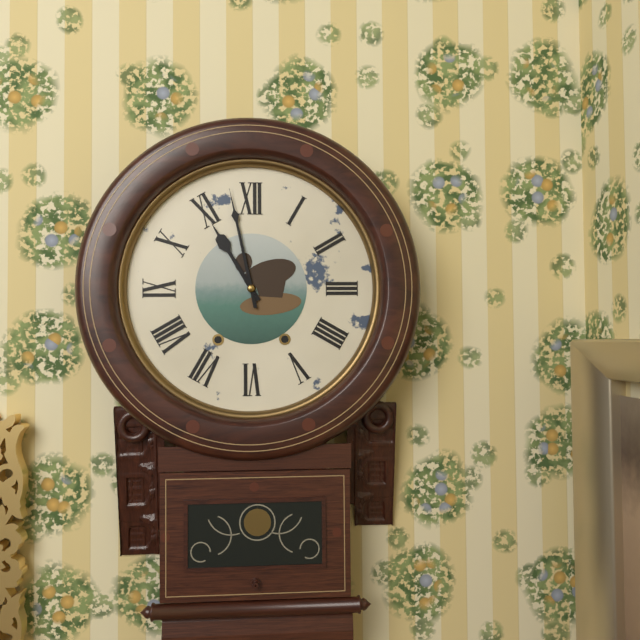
10:58
